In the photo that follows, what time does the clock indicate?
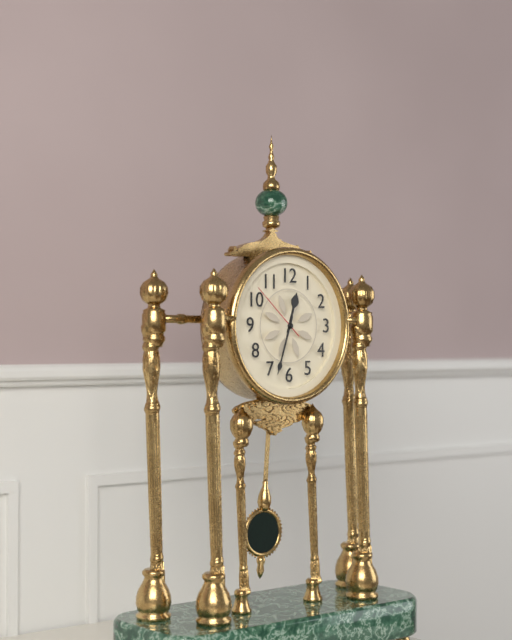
12:33:52
